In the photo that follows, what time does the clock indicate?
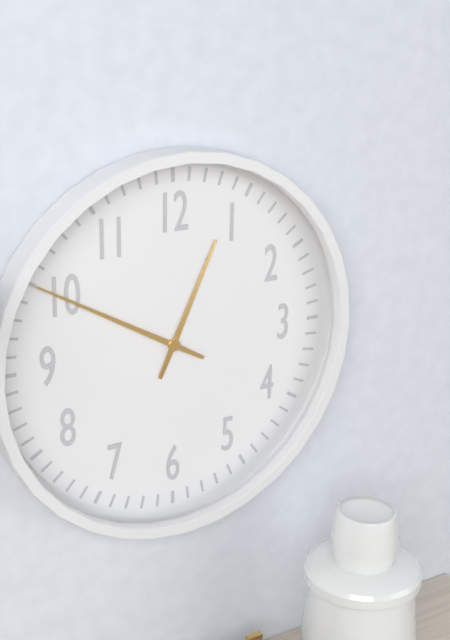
12:50
